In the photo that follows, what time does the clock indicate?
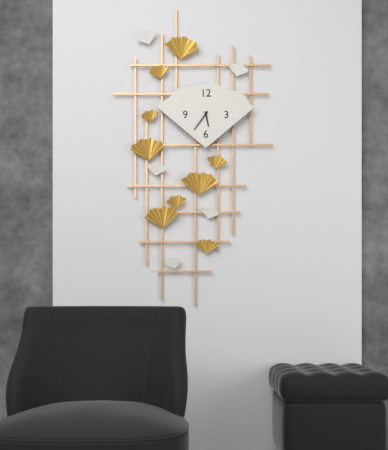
5:36
